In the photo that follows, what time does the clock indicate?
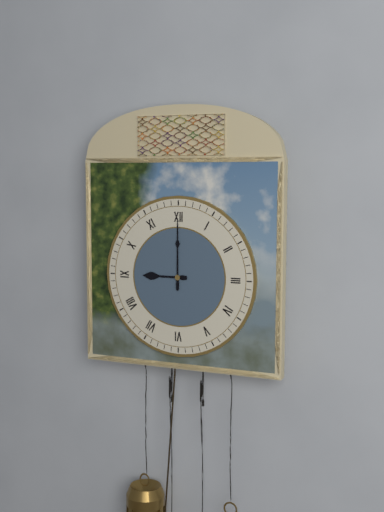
9:00
